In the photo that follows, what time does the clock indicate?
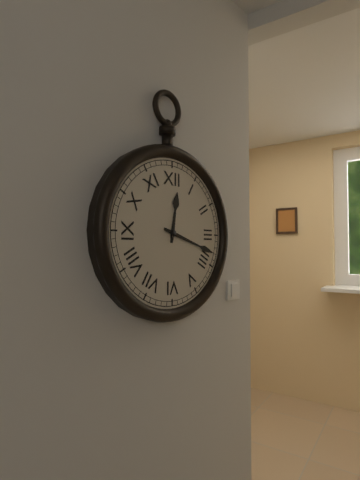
12:18
